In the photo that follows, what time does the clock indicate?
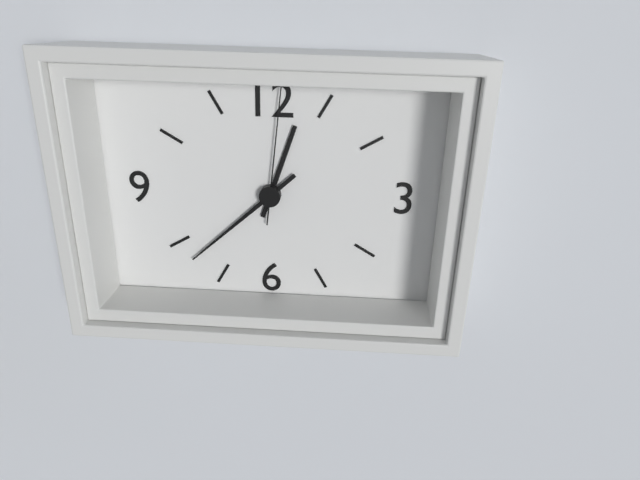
12:38:01
